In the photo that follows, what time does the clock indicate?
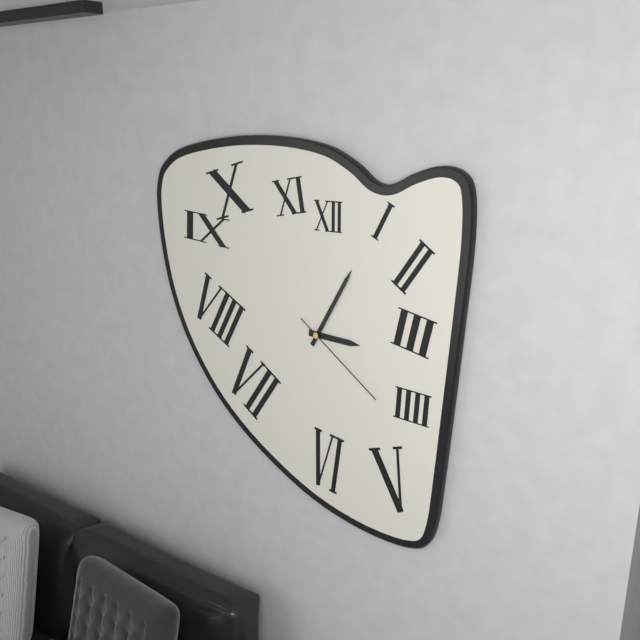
3:05:21
